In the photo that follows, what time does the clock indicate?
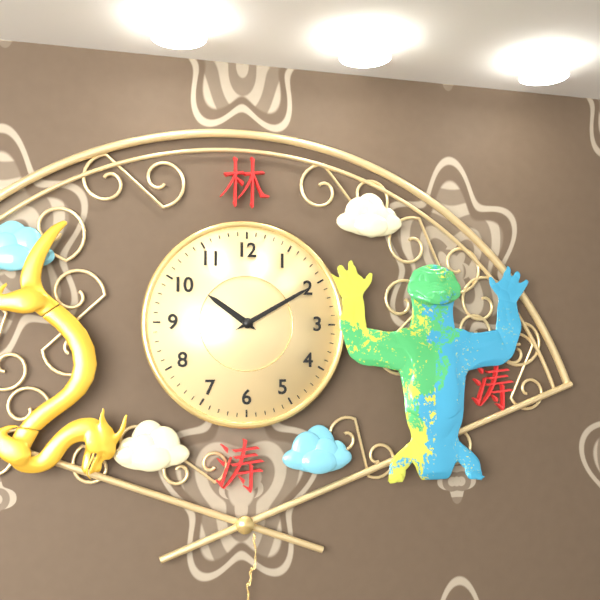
10:10
